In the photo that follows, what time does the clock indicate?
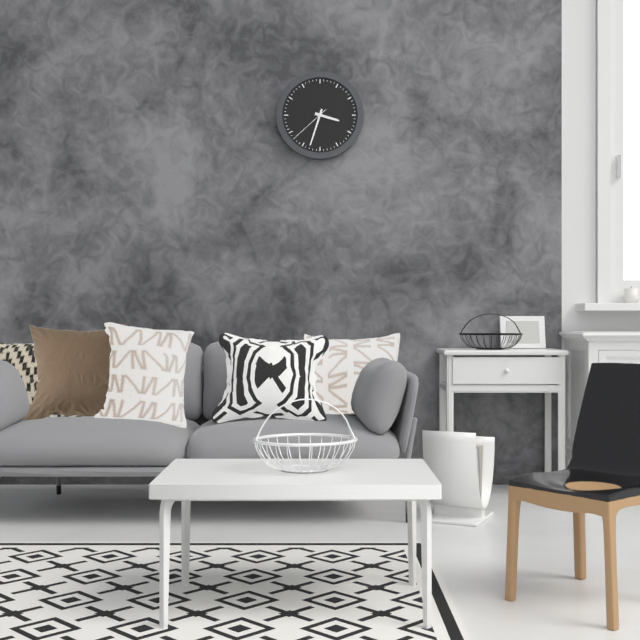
3:33
